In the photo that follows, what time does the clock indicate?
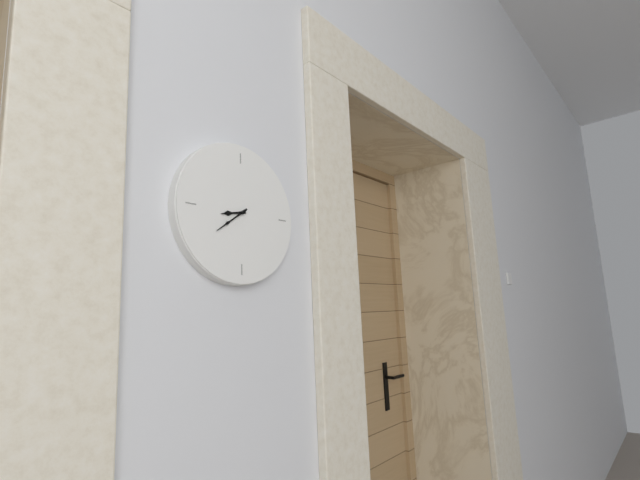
8:39
